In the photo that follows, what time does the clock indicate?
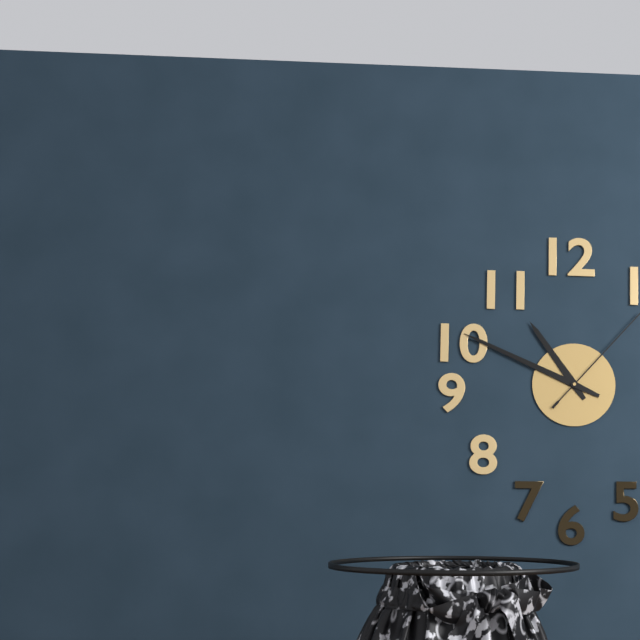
10:49
